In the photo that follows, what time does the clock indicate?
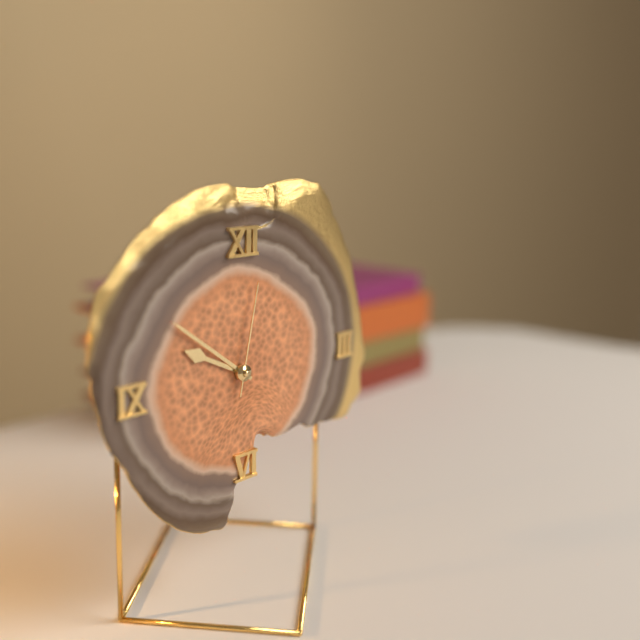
9:51:02
